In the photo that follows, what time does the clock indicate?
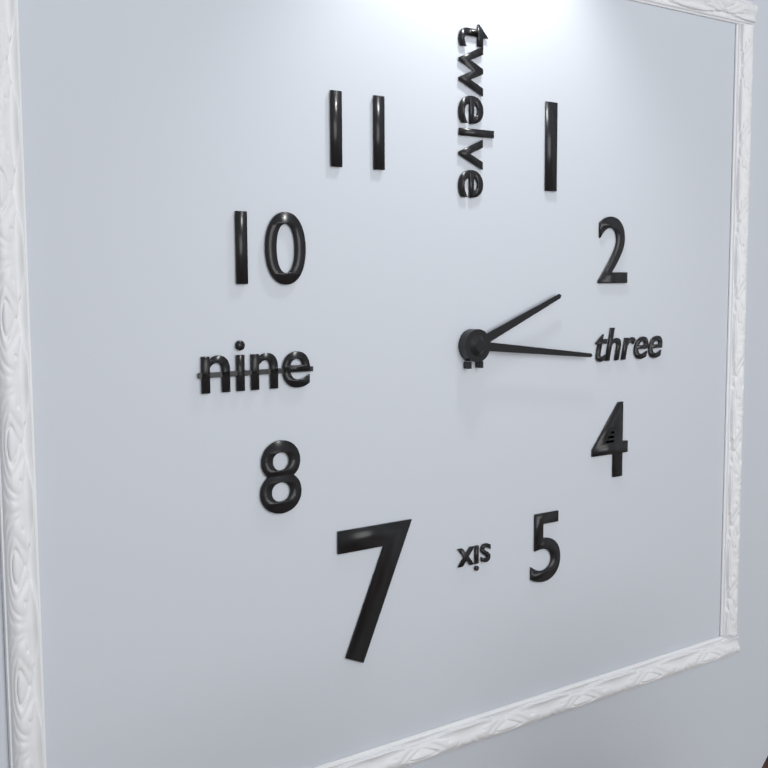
2:16
